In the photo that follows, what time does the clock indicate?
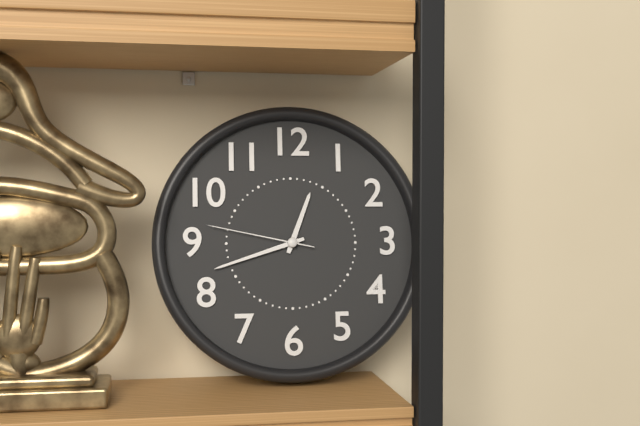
12:42:47
